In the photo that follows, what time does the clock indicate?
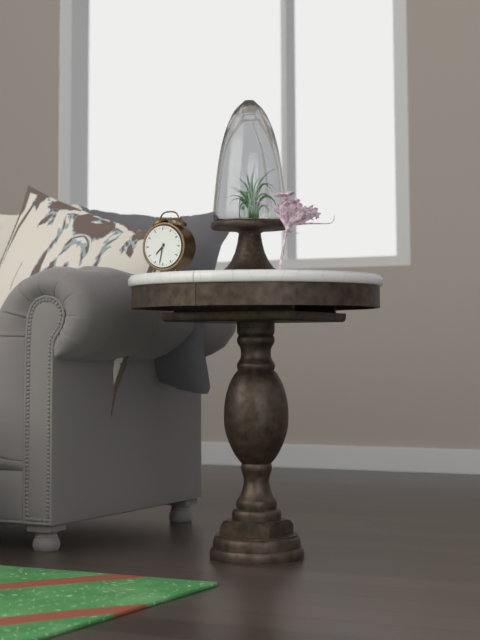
7:32
